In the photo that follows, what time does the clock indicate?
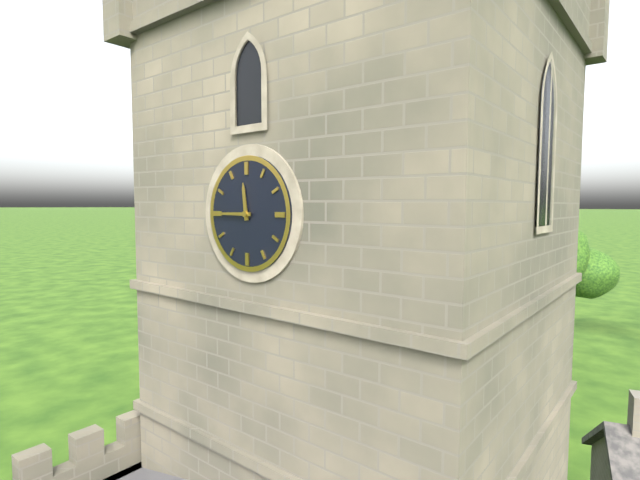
11:45
